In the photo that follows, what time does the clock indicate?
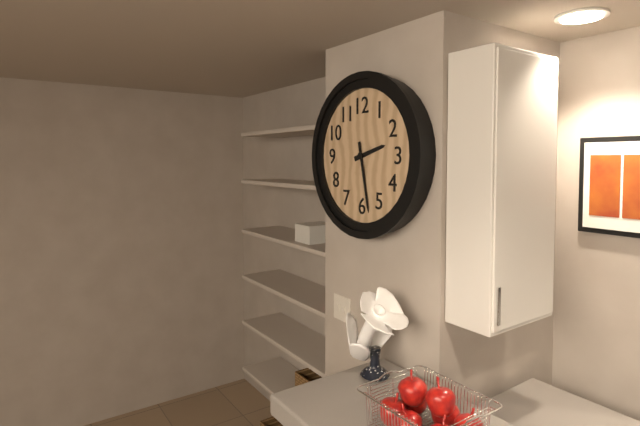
2:28
